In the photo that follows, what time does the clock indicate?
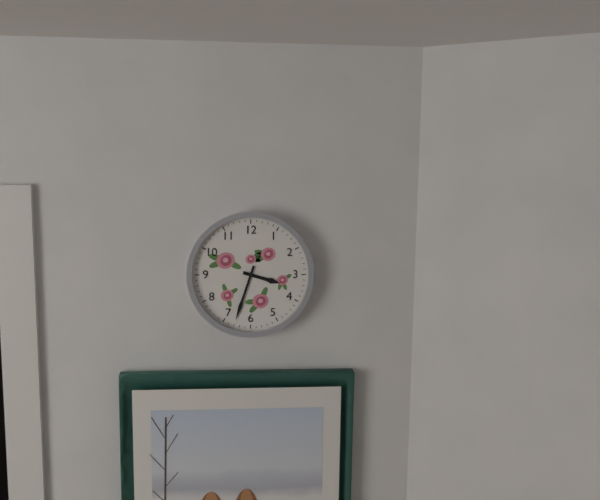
3:33
